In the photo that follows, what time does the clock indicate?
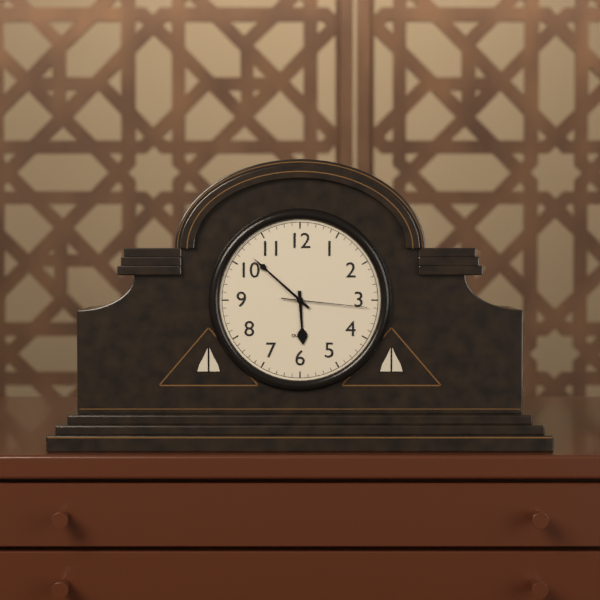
5:52:16
